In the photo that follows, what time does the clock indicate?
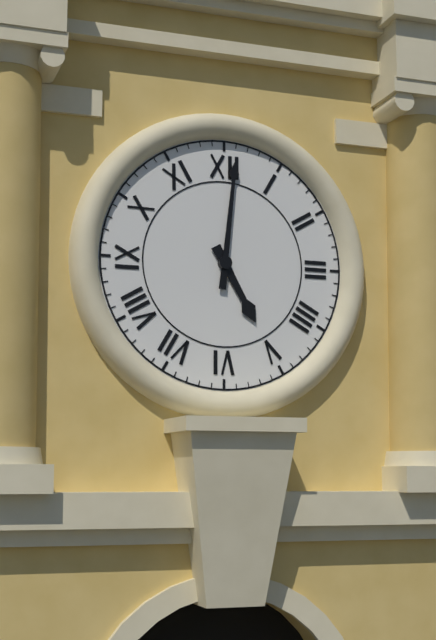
5:01
